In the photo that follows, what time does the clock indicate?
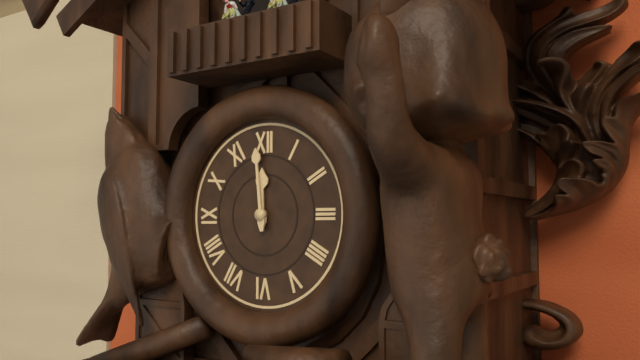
11:59
